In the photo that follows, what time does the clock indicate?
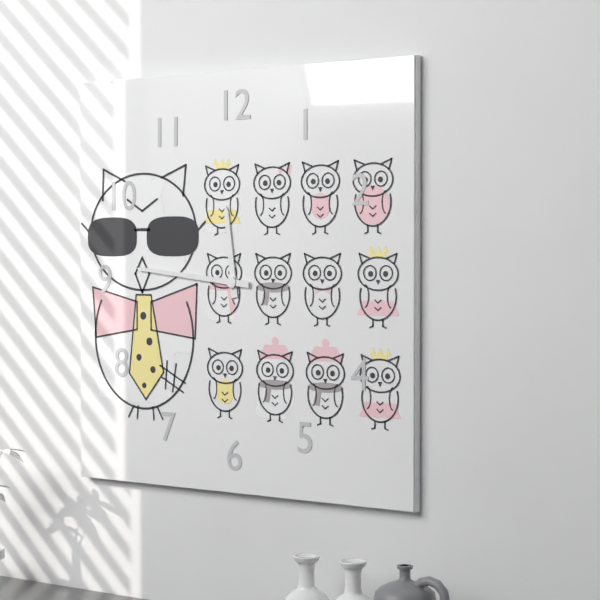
11:46
